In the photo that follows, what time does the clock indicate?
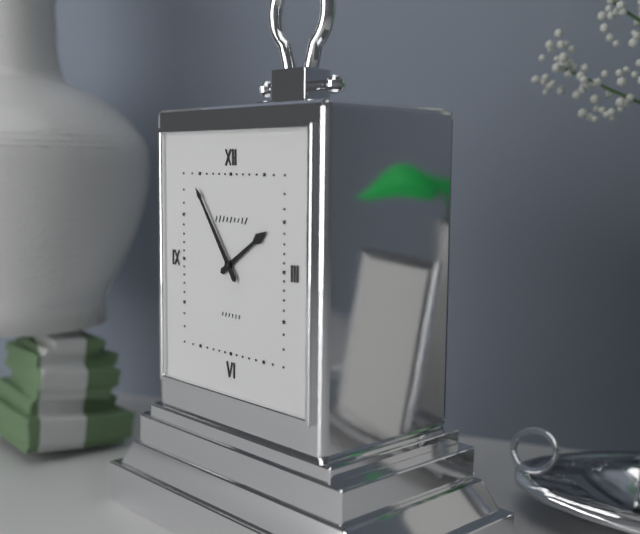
1:54
